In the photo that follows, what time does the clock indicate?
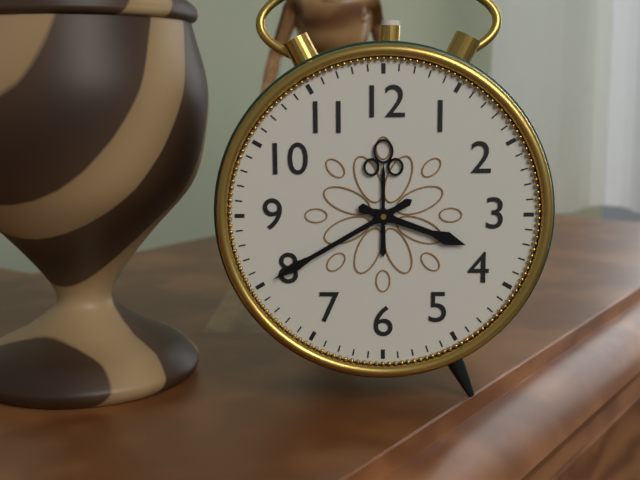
3:40
